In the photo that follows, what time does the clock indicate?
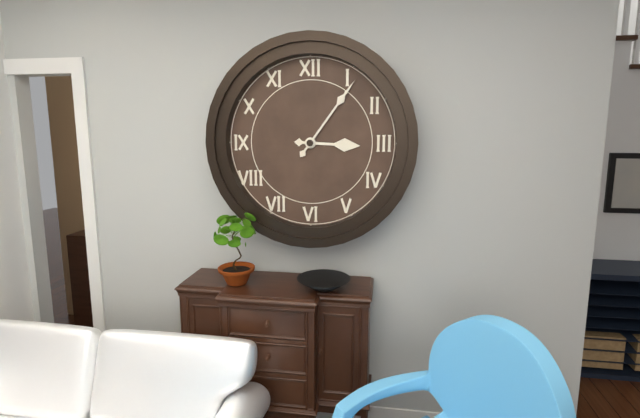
3:06
